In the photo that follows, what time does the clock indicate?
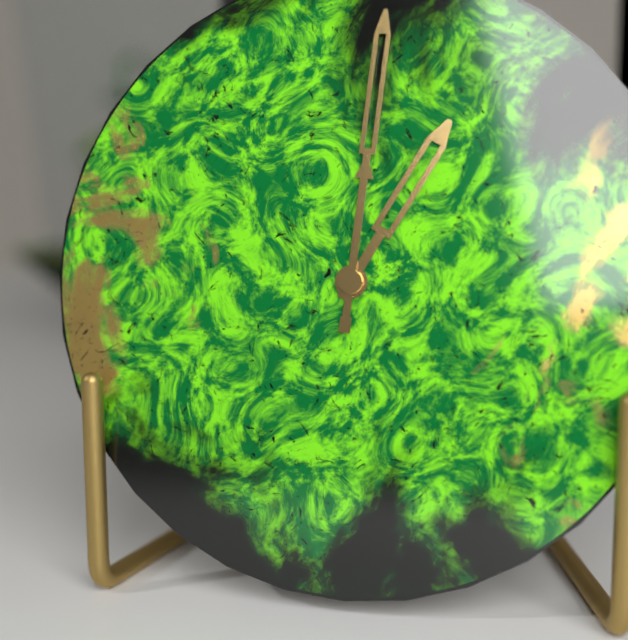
1:01
